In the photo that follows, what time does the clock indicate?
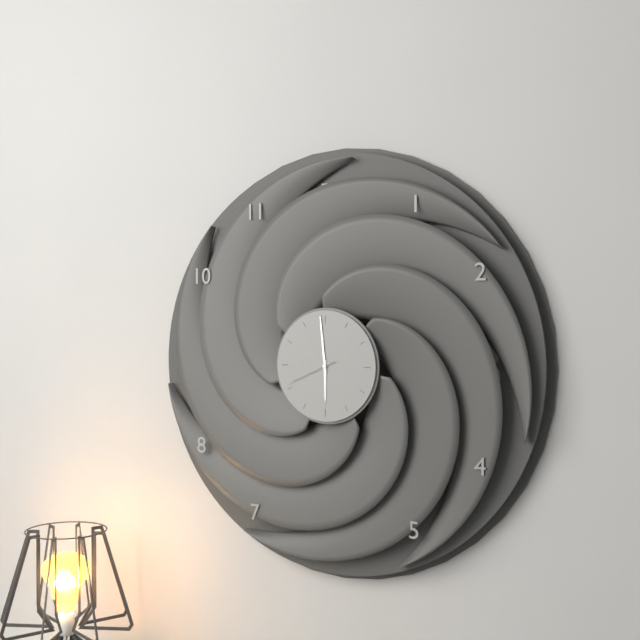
5:59
